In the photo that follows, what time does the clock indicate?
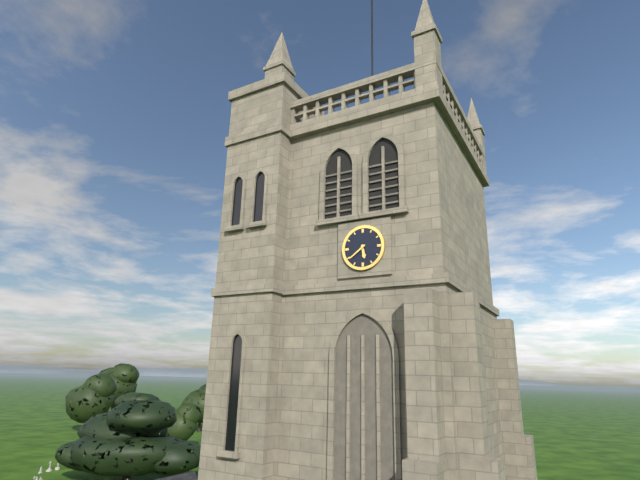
5:39
